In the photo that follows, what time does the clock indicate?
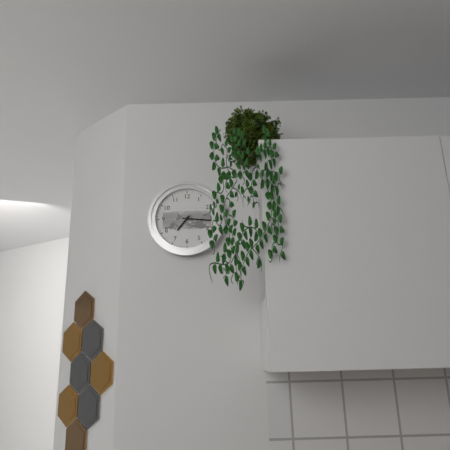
7:16
